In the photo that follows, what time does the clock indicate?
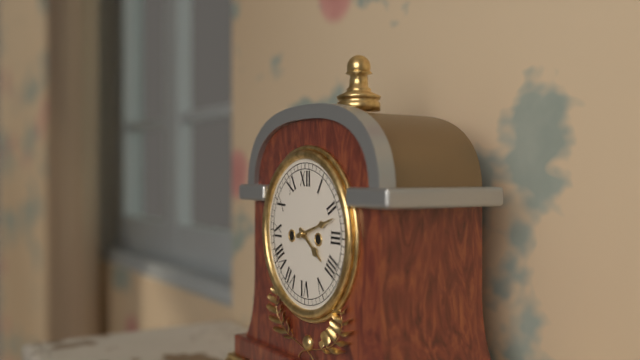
4:12
